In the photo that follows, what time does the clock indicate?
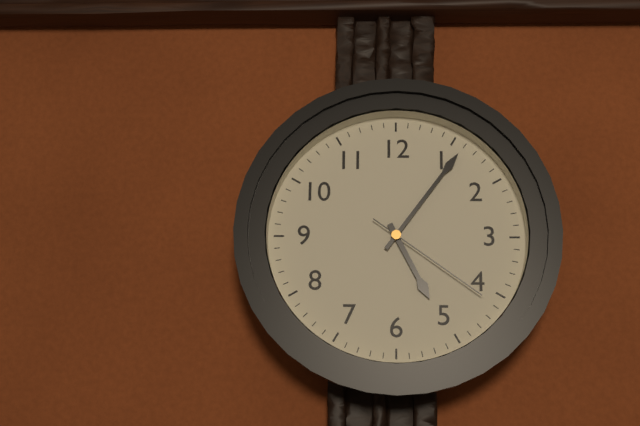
5:06:21
